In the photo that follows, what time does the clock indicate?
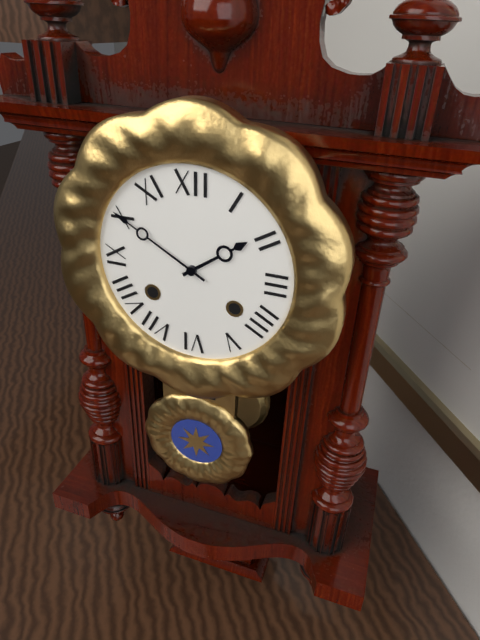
1:50
